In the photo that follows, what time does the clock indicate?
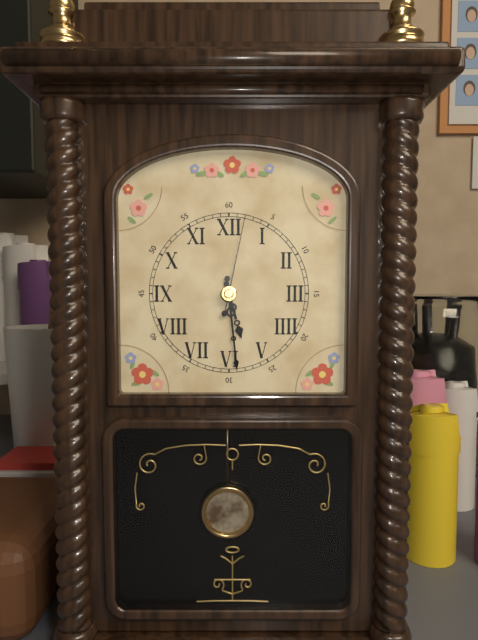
5:29:02
